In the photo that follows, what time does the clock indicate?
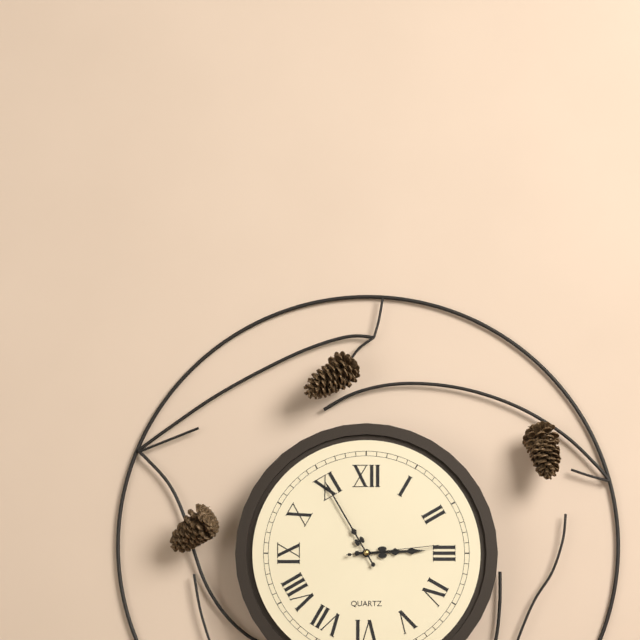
2:55:14
